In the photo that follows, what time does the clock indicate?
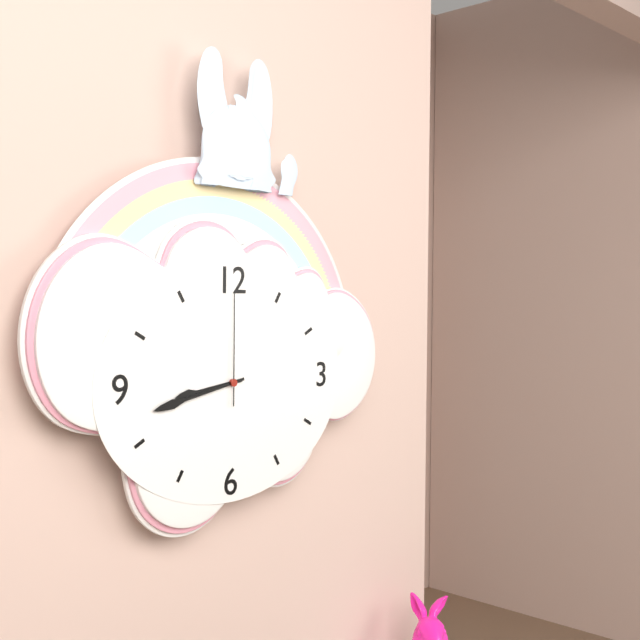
8:43:00
